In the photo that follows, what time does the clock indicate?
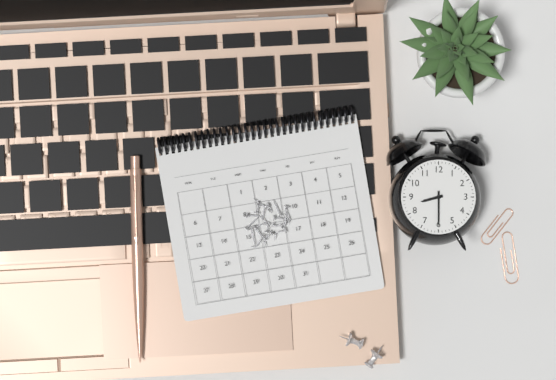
8:30
